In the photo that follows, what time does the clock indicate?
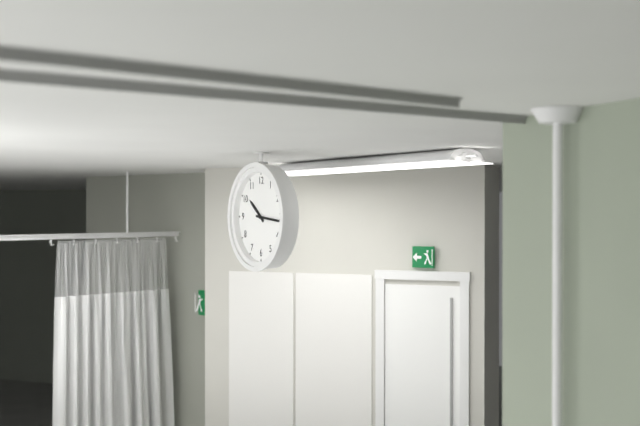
10:16
